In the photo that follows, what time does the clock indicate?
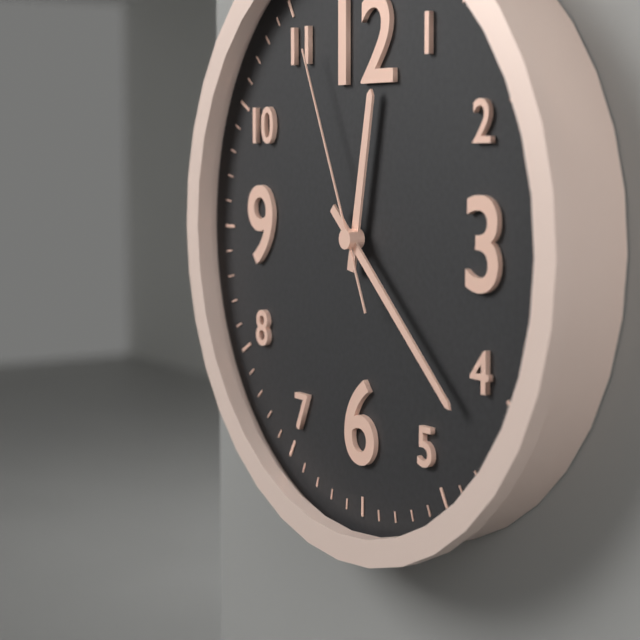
12:22:56
